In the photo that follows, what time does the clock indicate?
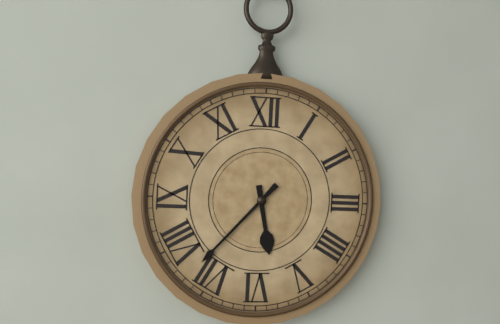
5:37
